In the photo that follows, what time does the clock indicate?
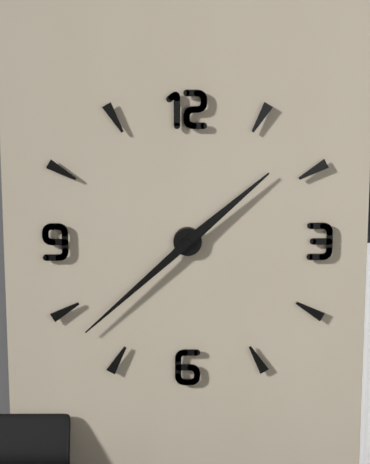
1:38
